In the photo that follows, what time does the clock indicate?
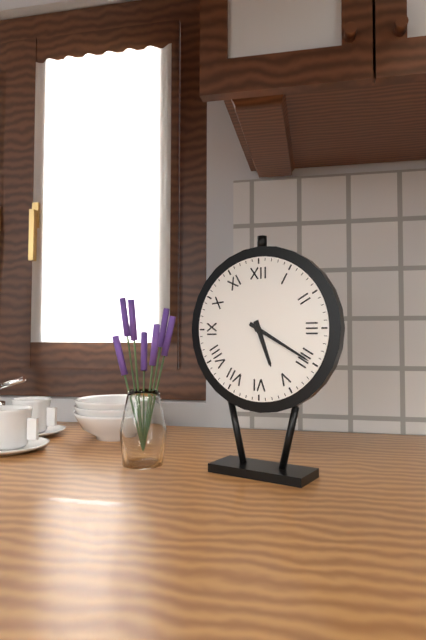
5:20
